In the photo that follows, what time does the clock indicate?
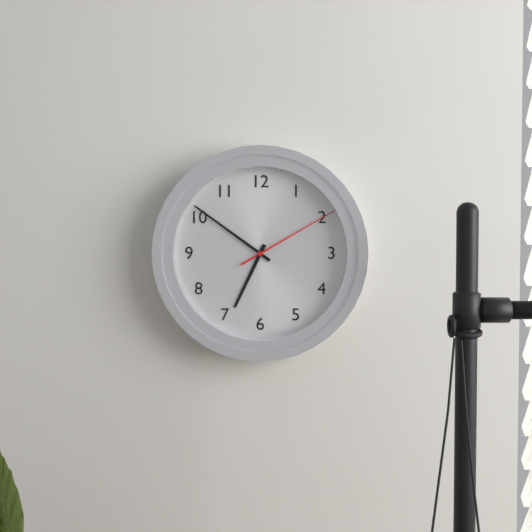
6:51:10
